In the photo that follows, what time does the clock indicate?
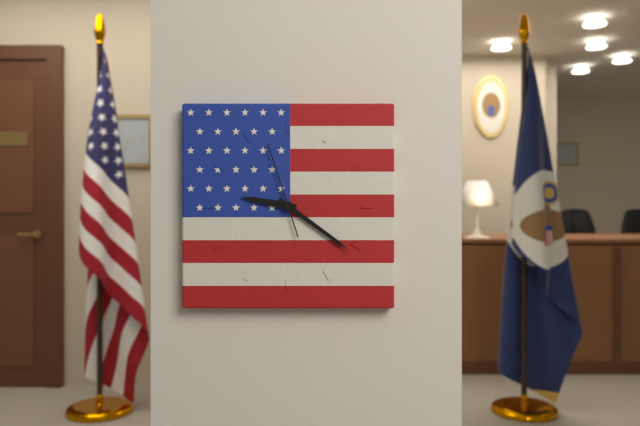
9:21:57
